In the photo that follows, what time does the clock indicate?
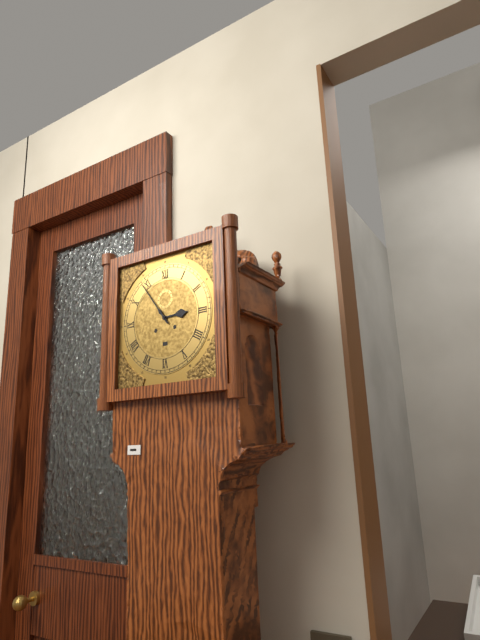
2:54
